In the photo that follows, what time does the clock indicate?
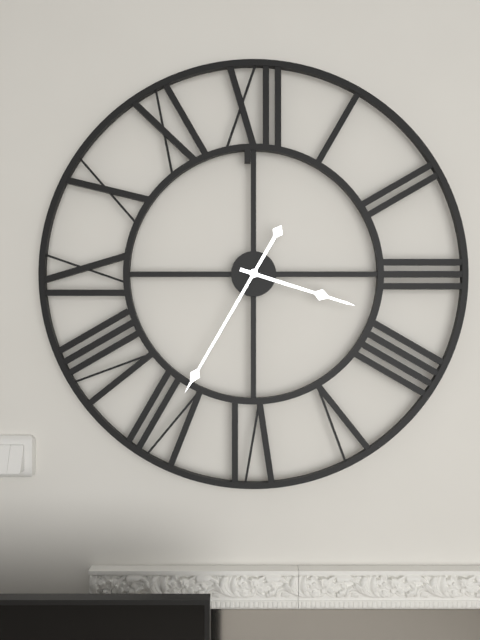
3:35
